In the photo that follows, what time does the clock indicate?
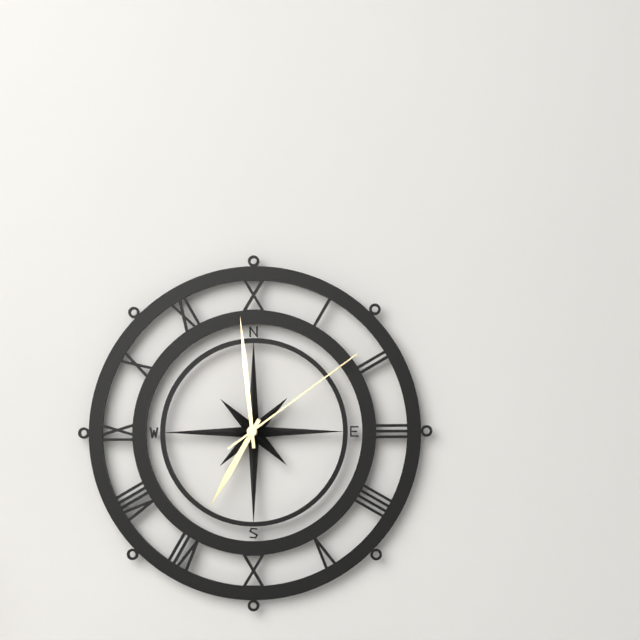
6:59:09
